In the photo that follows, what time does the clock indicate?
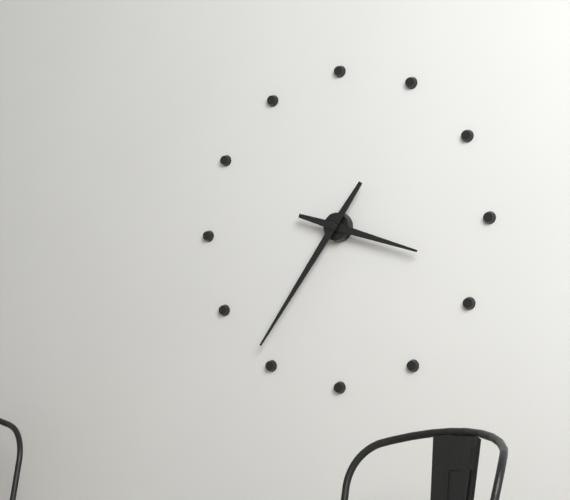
3:36
